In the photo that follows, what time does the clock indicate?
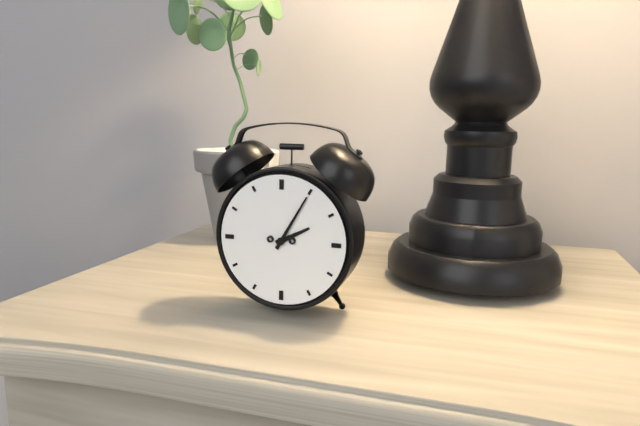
2:05
